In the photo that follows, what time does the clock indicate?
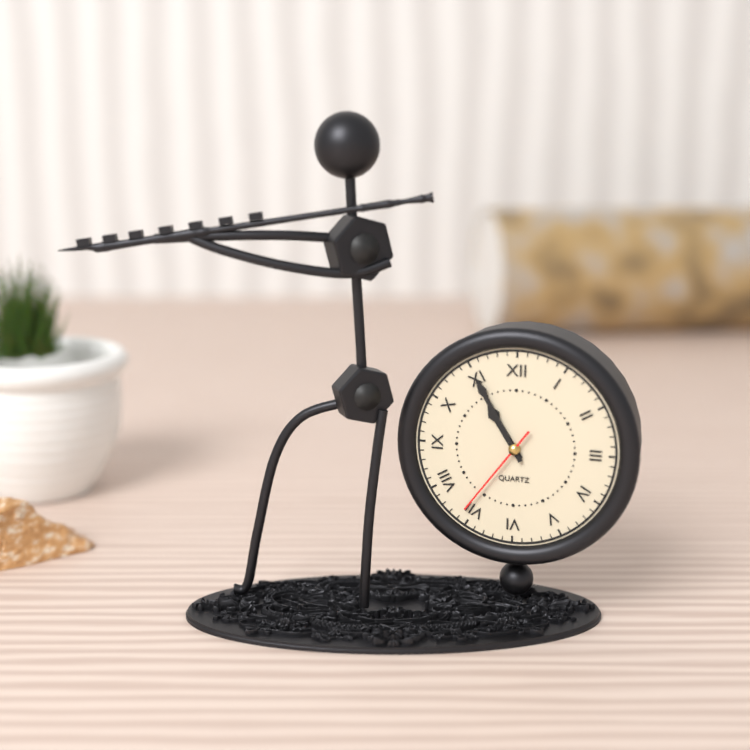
10:55:36
